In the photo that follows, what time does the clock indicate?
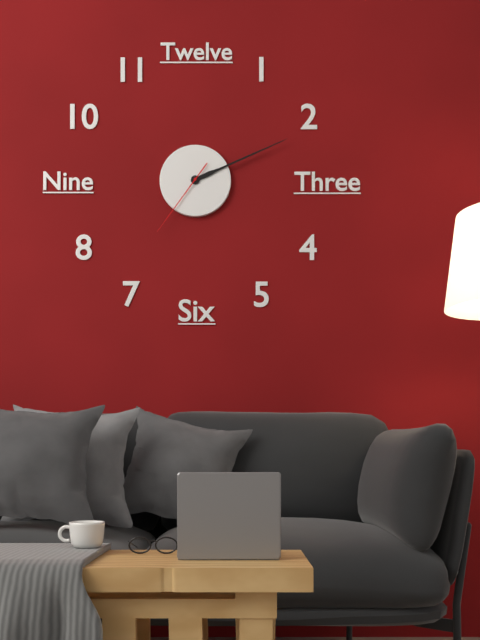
2:11:36
